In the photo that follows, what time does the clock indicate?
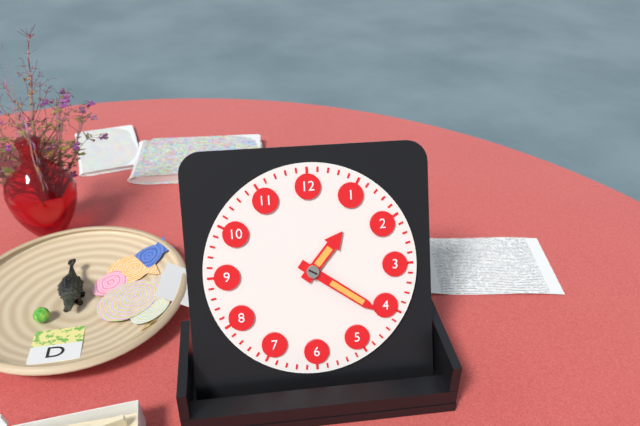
1:21
